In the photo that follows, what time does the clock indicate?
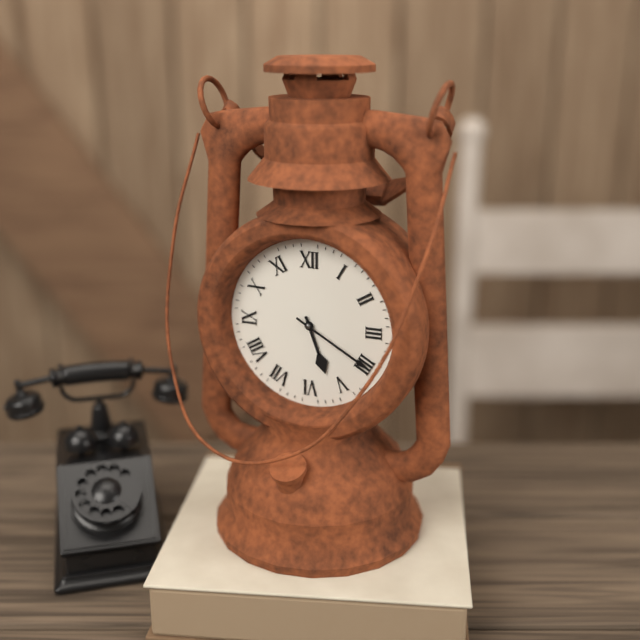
5:20
